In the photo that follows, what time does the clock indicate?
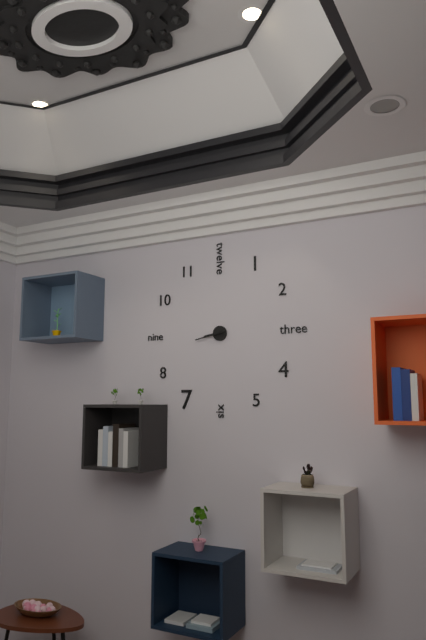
8:43
